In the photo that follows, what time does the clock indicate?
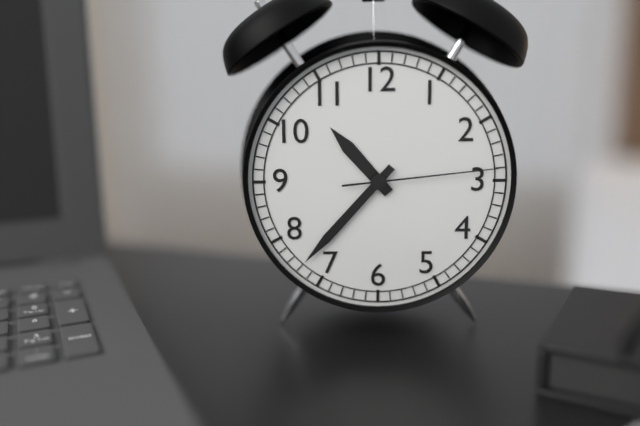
10:37:14
